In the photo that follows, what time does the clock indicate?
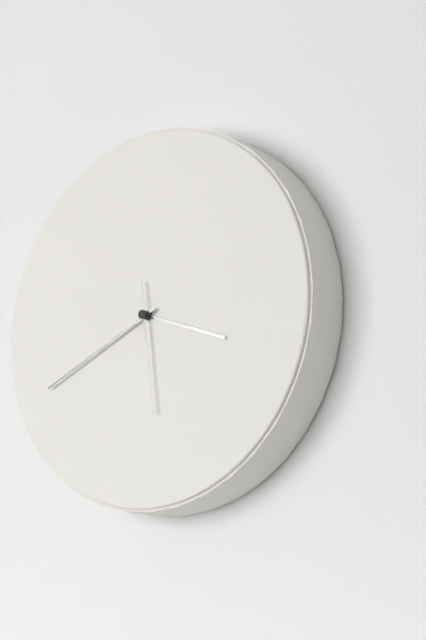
3:41:29
